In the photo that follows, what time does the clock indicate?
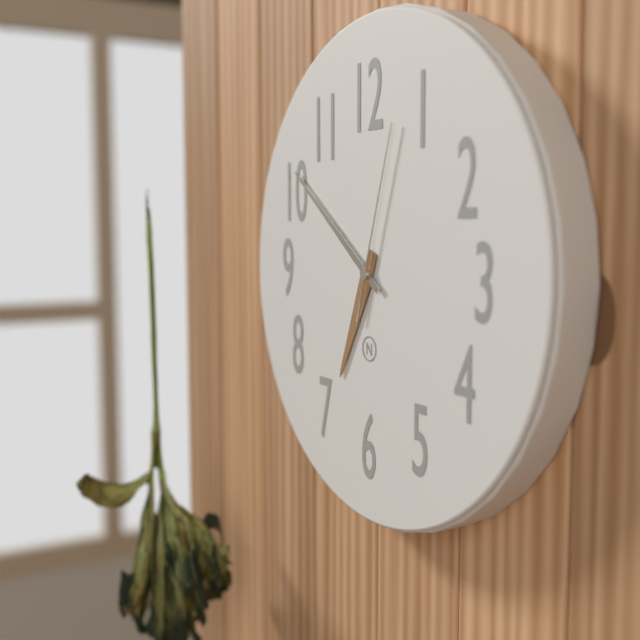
6:51:03
